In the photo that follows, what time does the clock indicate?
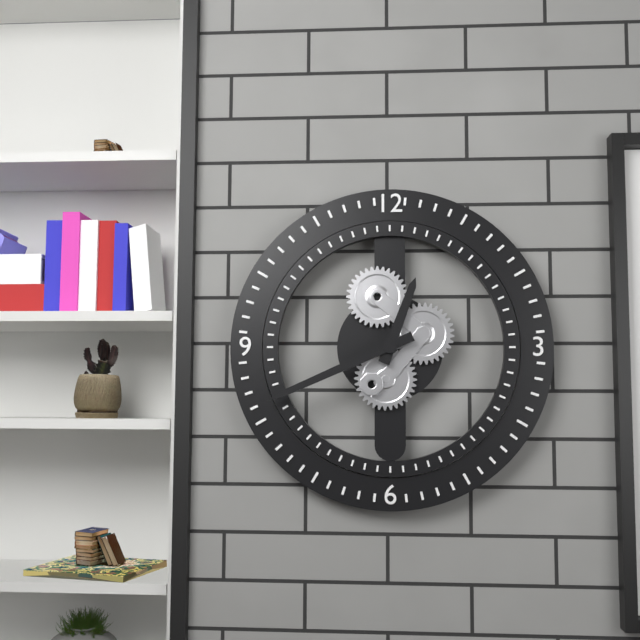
12:41
